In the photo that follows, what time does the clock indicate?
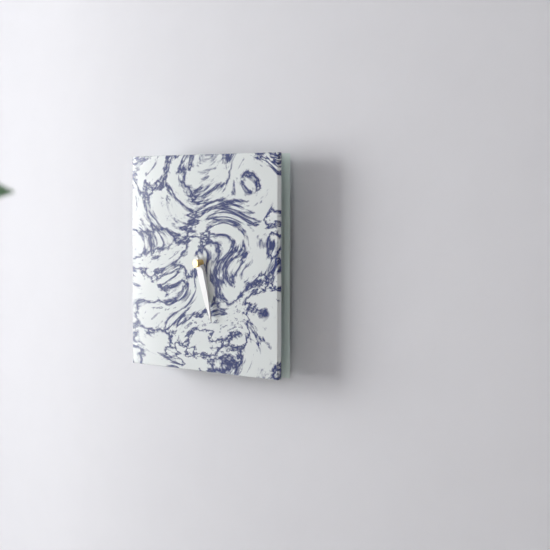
5:27
